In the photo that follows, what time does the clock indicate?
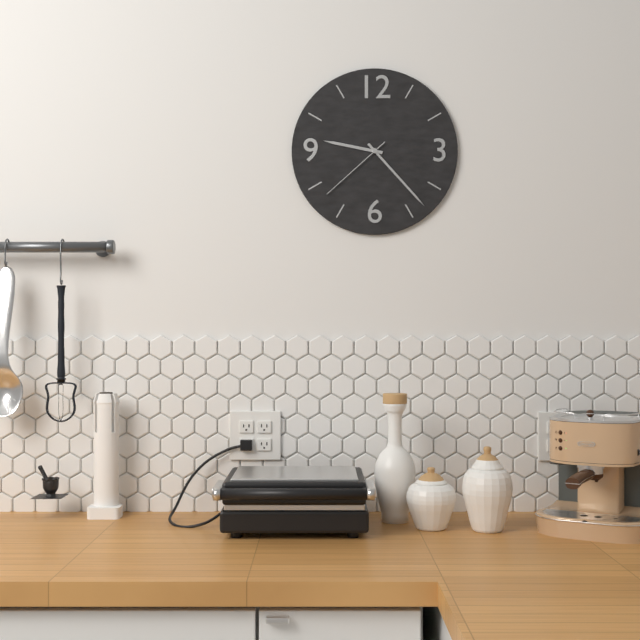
9:23:38
